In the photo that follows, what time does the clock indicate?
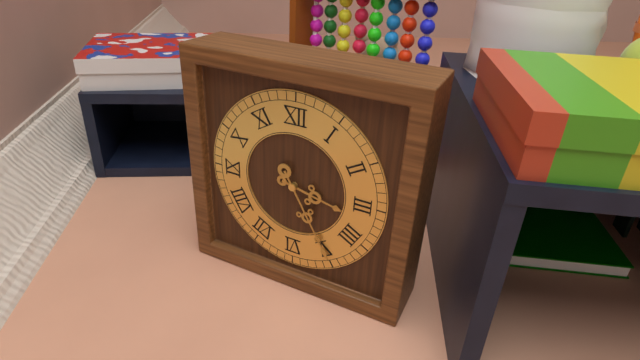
3:25
